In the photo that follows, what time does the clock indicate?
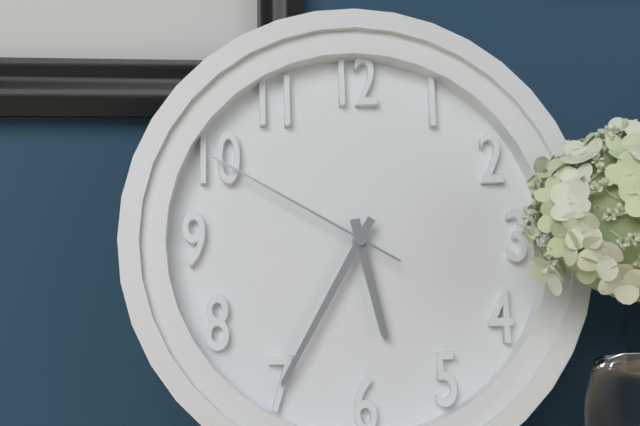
5:35:50
